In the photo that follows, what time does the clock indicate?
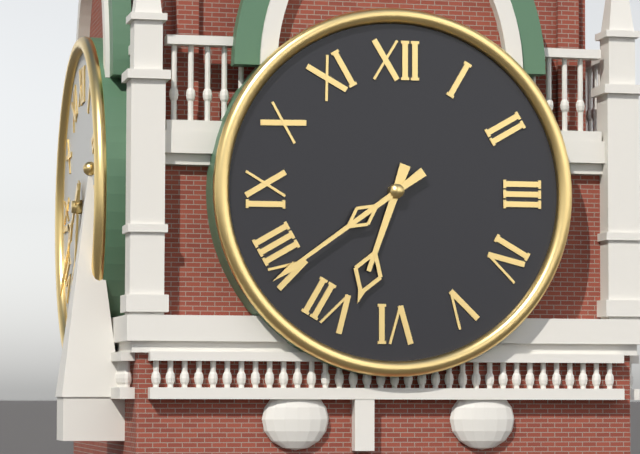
6:39
